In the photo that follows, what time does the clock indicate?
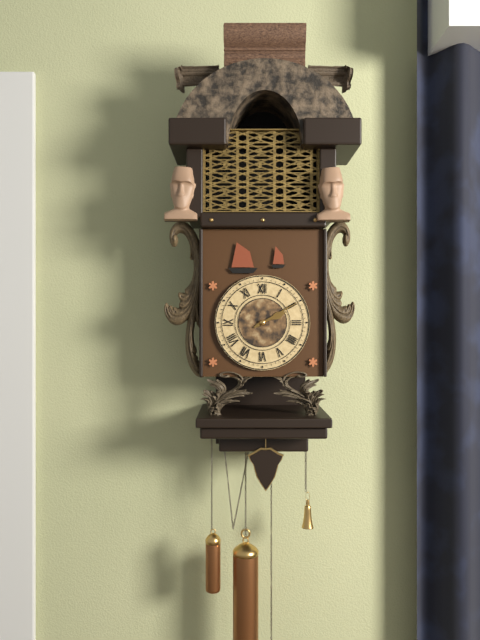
2:10
